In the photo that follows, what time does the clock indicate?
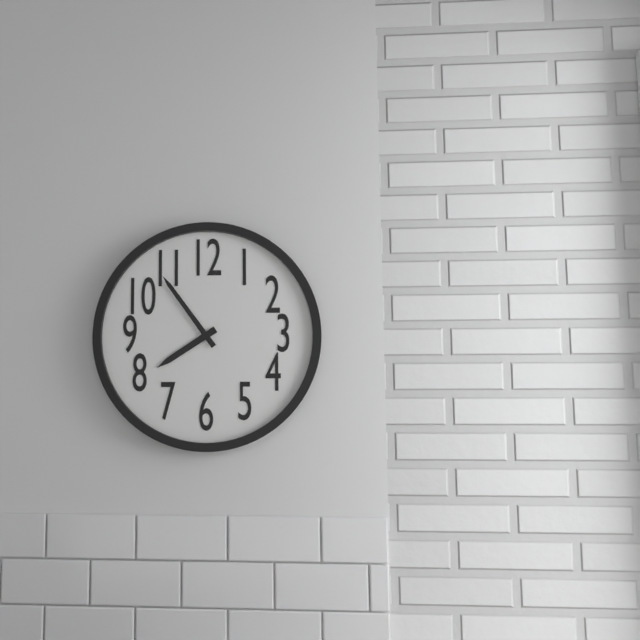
7:54
